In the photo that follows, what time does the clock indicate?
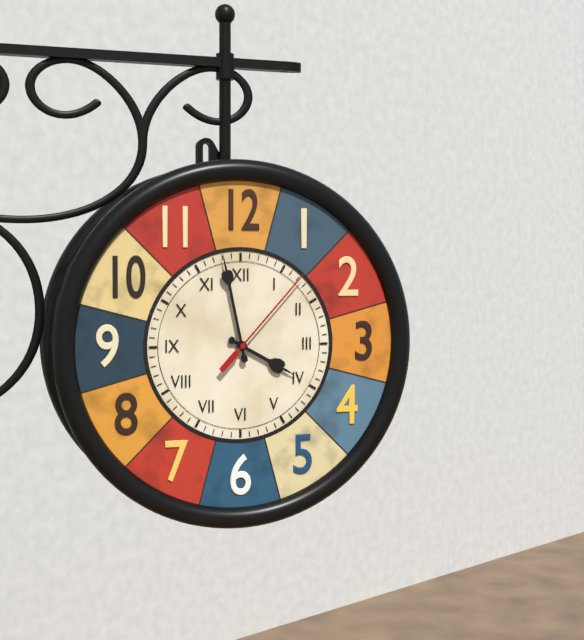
3:58:07
